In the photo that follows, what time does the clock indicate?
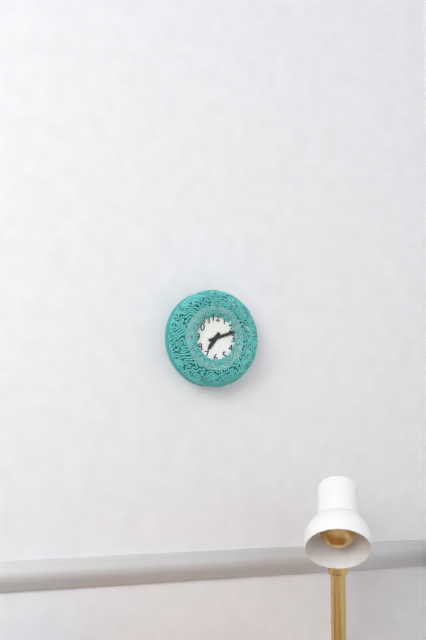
7:12
